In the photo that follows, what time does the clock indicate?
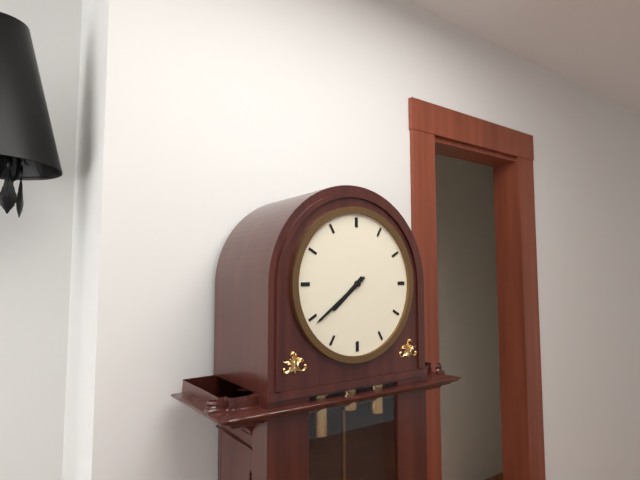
7:39
